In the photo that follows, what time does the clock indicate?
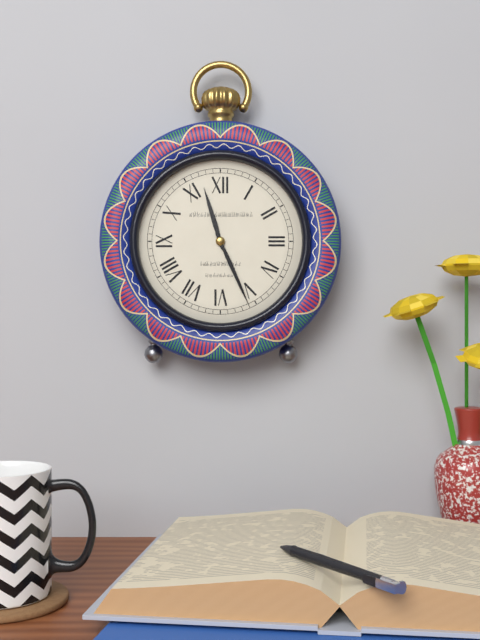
11:26
